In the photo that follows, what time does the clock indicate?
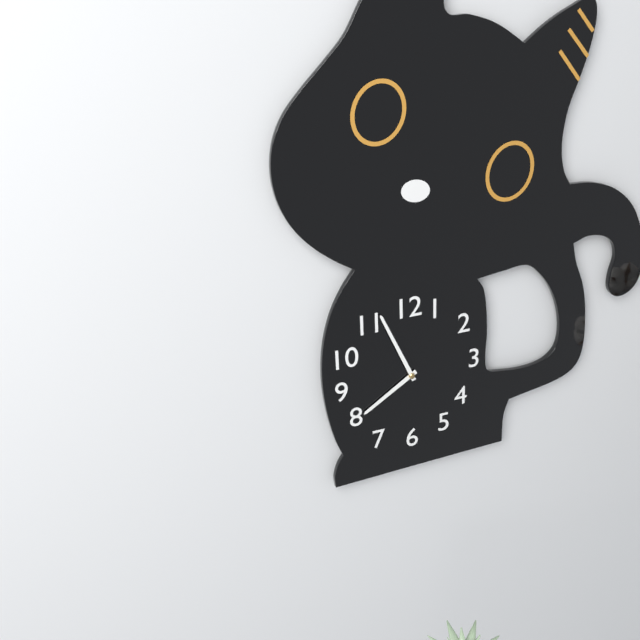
7:56
